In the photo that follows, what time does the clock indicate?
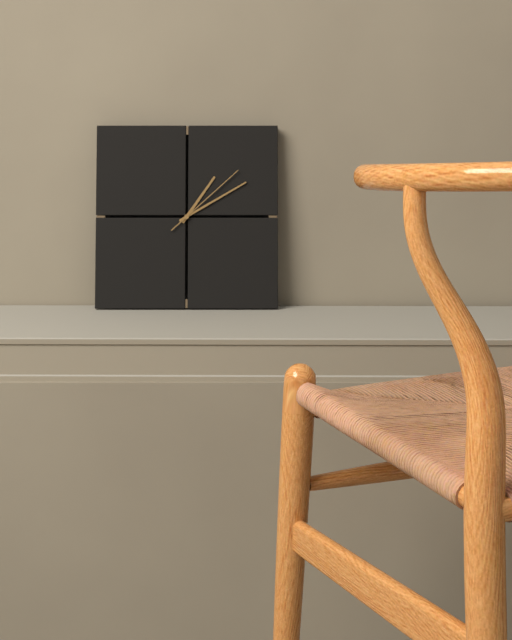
1:10:08
